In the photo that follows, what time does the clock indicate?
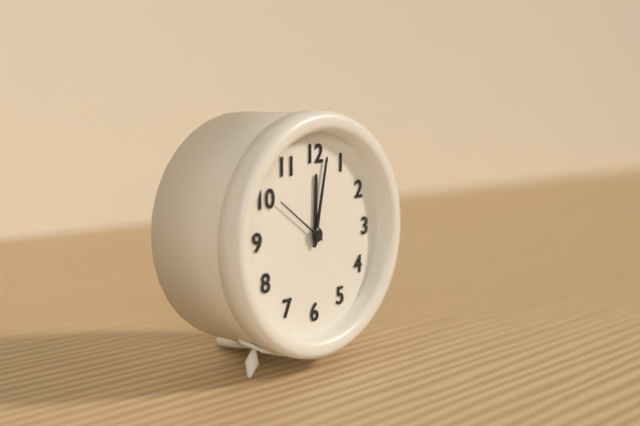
12:02:51
